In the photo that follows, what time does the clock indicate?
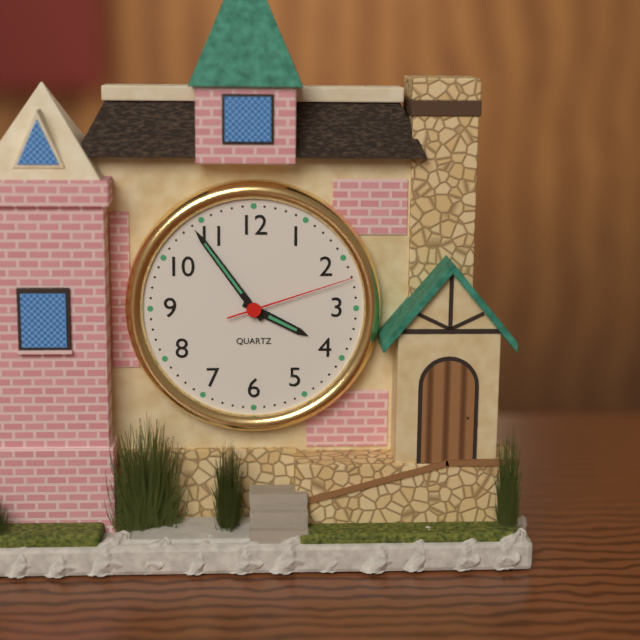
3:54:12
